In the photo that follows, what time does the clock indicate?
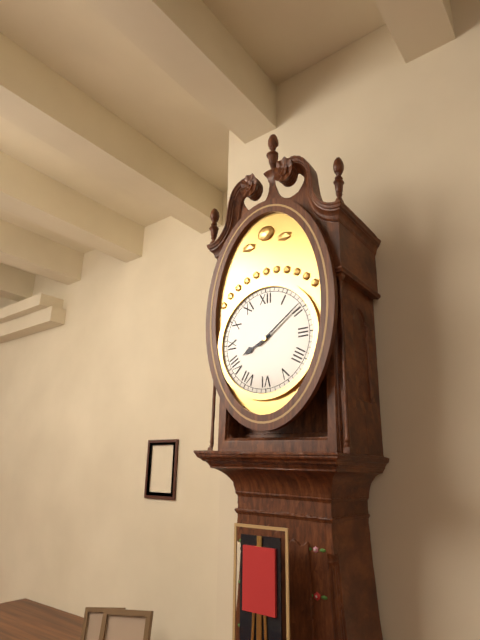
8:09
